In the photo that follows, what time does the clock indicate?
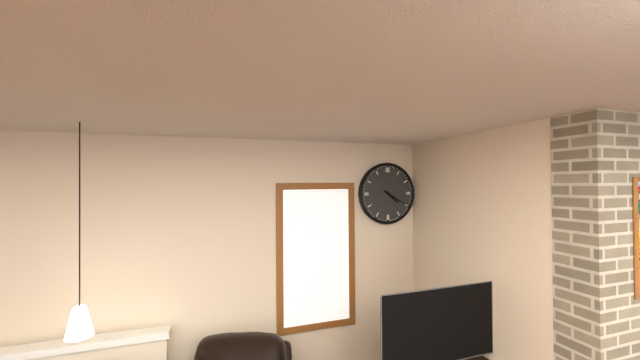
4:20
